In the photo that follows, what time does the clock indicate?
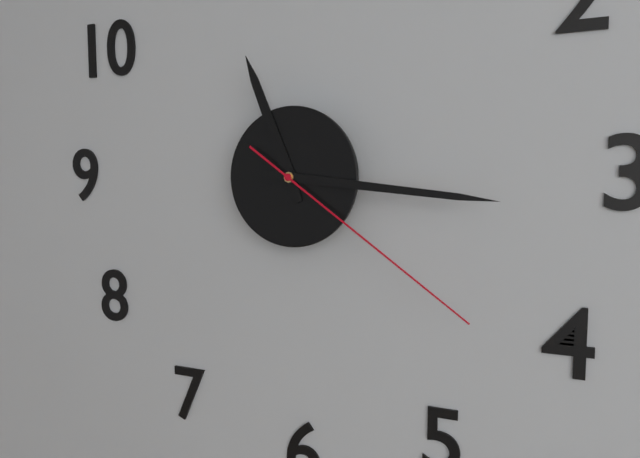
11:16:21
